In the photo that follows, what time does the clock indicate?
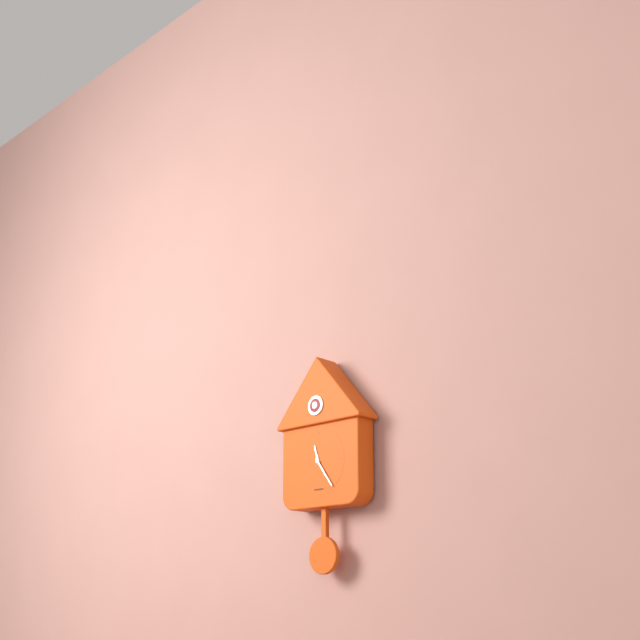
11:24
